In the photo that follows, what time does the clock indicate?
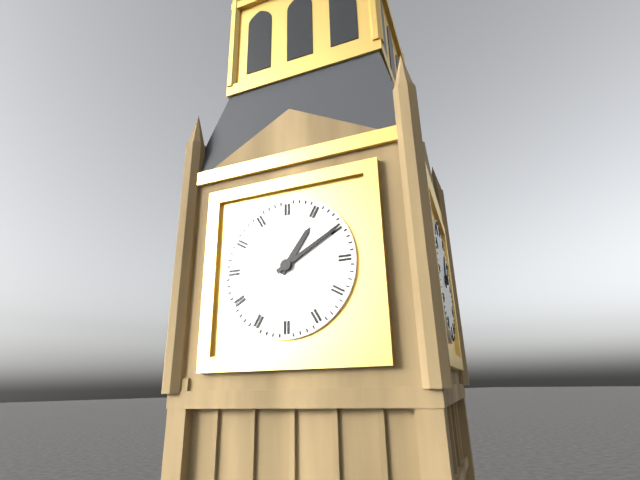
1:10
